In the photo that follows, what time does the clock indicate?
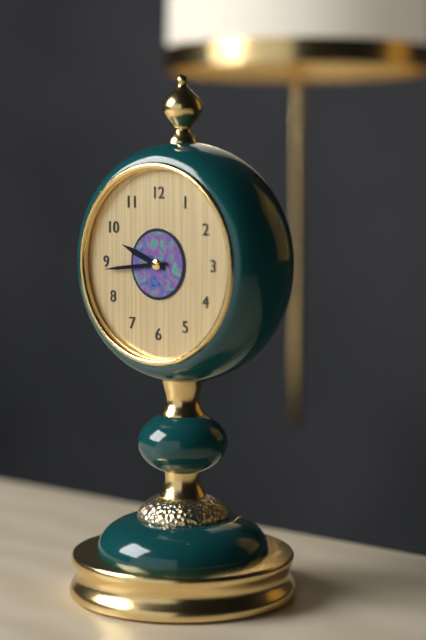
9:44
